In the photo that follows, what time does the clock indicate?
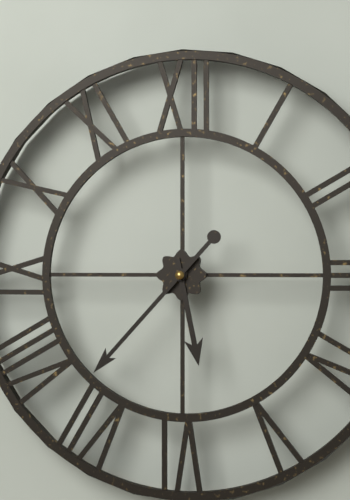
5:37
